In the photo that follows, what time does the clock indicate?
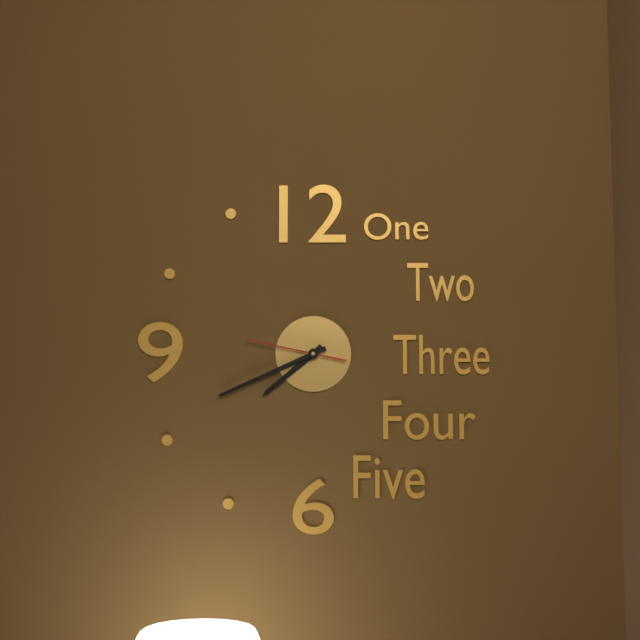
7:41:47
